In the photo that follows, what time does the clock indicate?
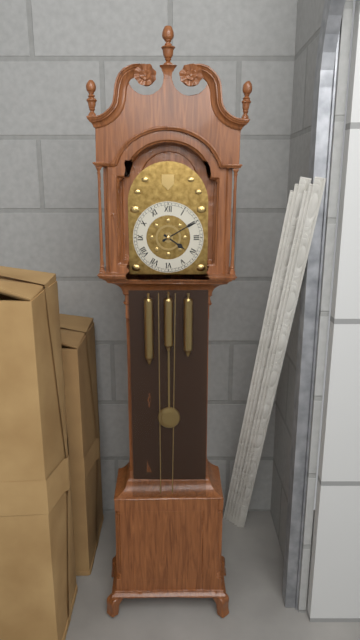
4:10
